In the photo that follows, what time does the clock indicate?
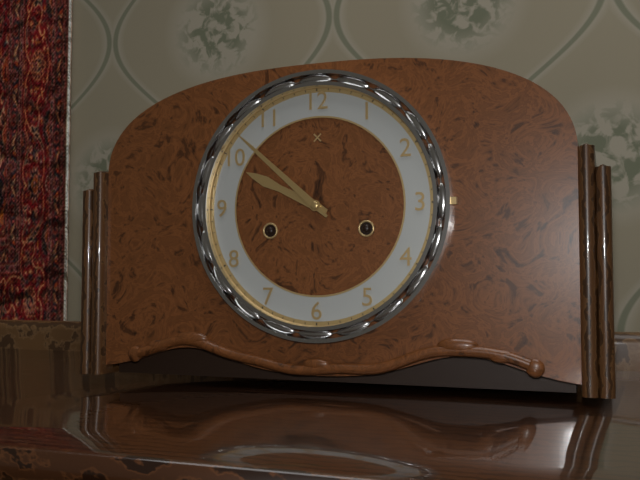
9:52
